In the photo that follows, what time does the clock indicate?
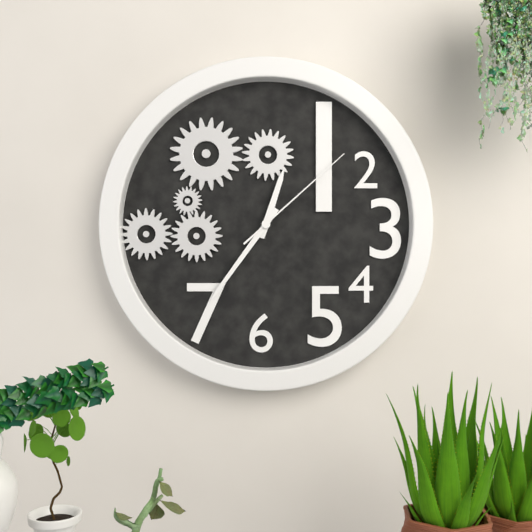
12:36:08
